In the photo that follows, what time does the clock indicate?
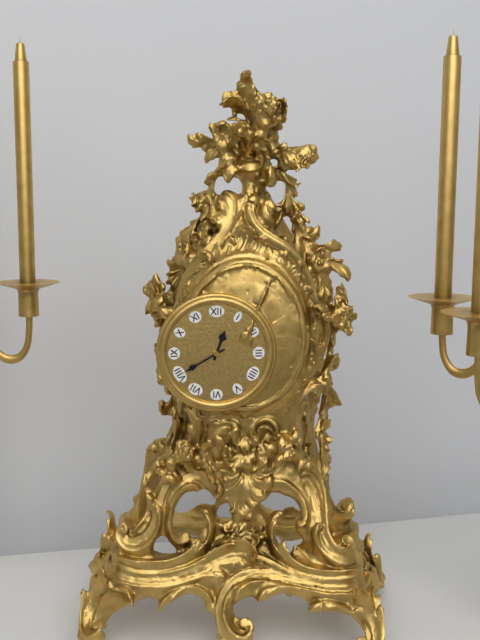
12:40
